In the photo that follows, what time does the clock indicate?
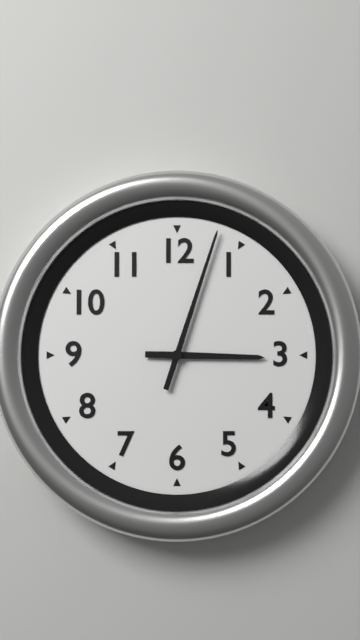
3:03
